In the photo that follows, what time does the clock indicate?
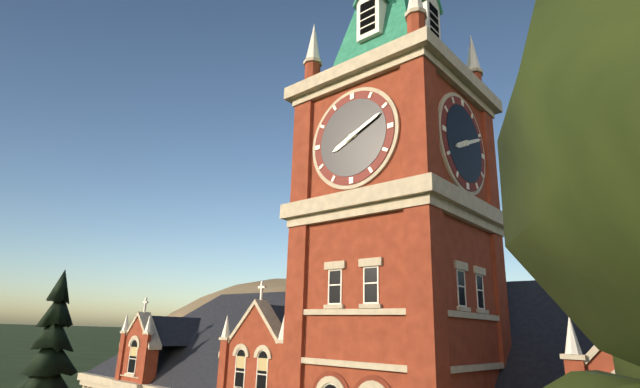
8:11
